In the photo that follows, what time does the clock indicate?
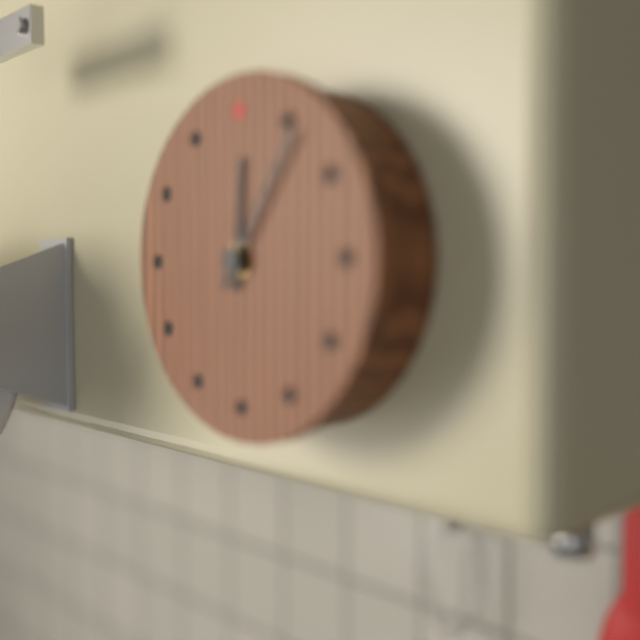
12:06
